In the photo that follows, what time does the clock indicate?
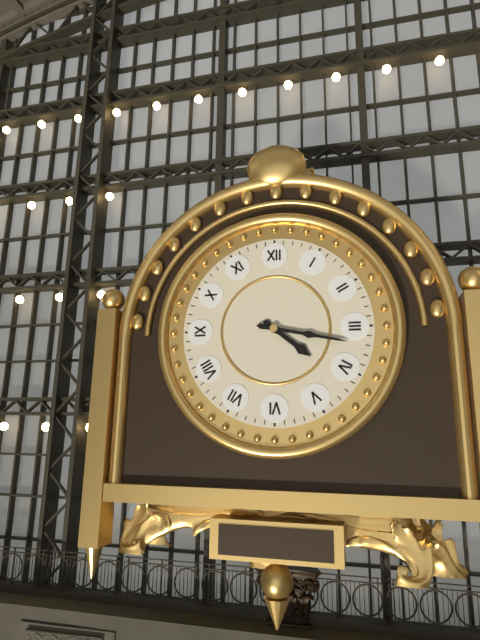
4:17
